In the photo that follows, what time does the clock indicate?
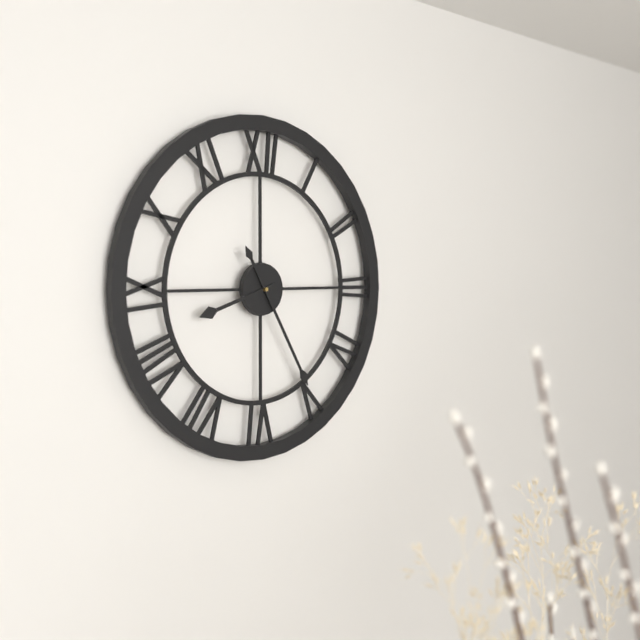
8:25
